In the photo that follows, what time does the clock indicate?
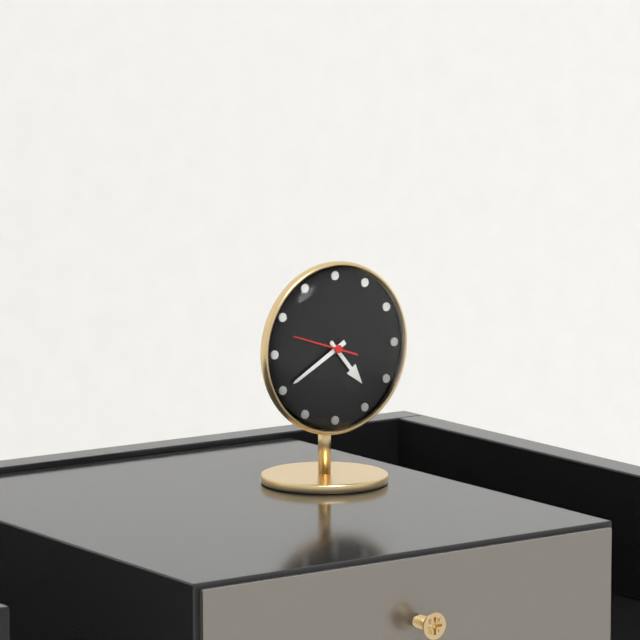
4:40:48
